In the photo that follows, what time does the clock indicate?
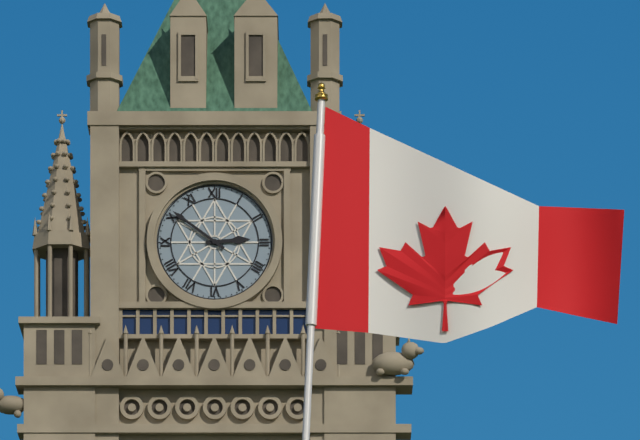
2:51
